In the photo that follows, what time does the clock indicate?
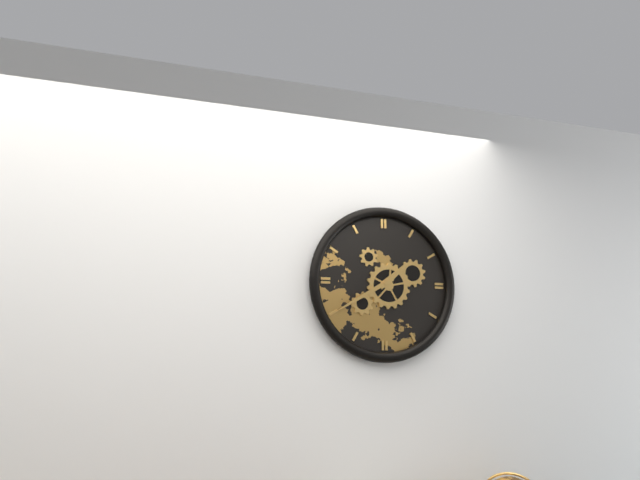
1:40
